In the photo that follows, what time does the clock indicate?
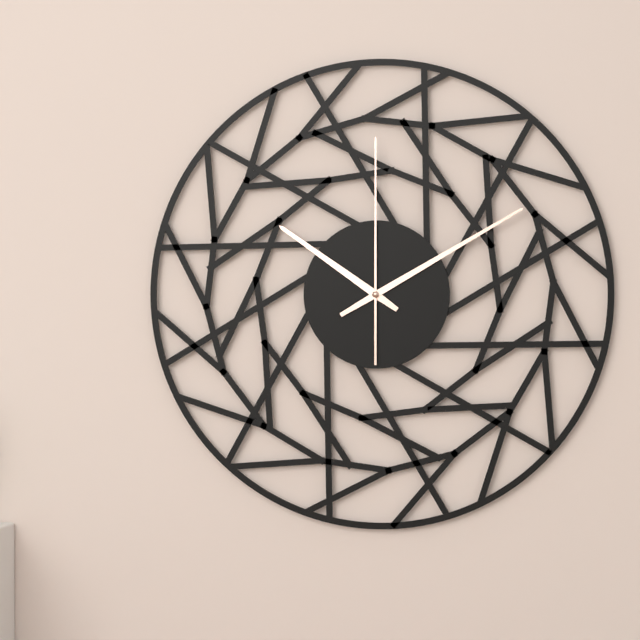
10:10:00
